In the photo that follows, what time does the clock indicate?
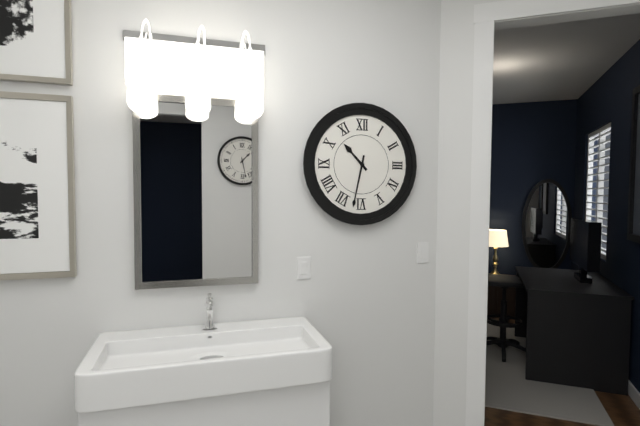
10:32
